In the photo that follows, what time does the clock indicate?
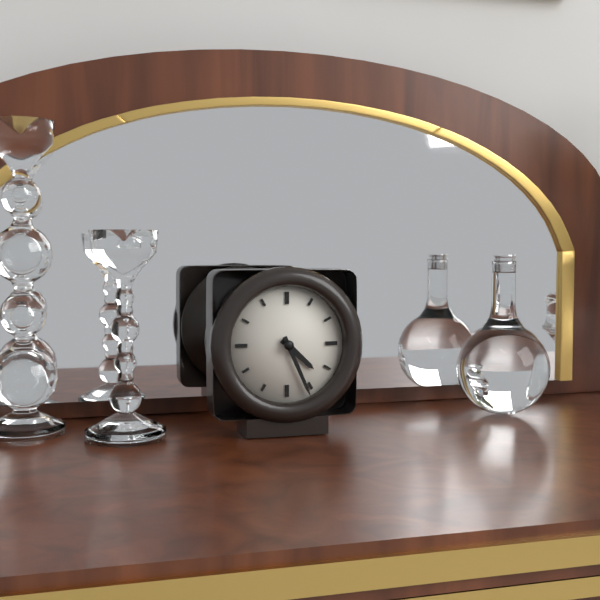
4:26
